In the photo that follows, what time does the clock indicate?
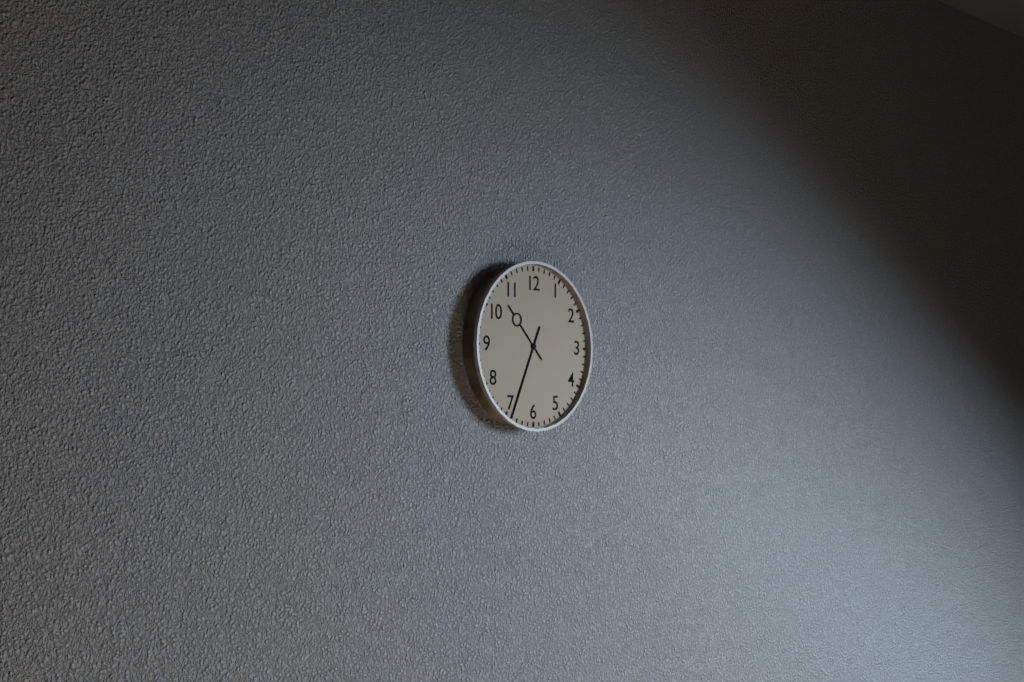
10:34
